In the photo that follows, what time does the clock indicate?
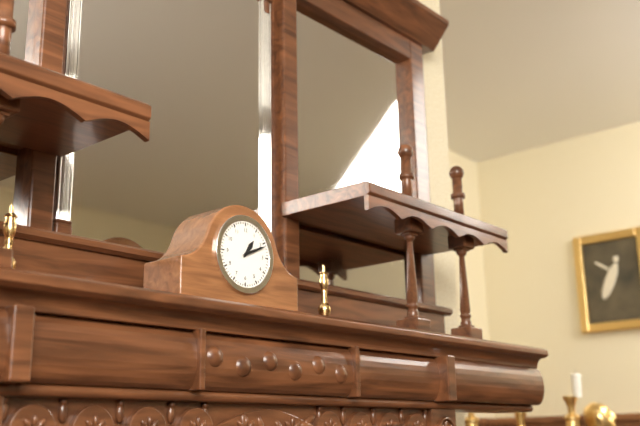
1:11
